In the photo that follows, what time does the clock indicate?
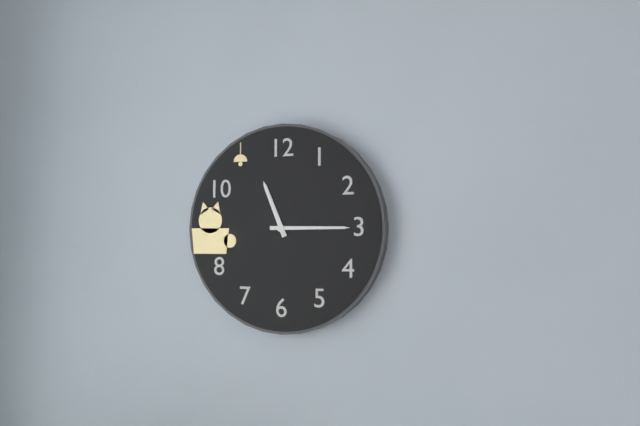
11:15
